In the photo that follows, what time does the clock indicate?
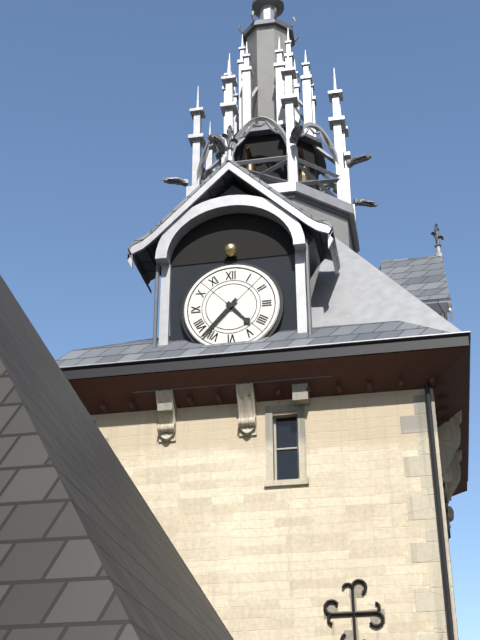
4:37
